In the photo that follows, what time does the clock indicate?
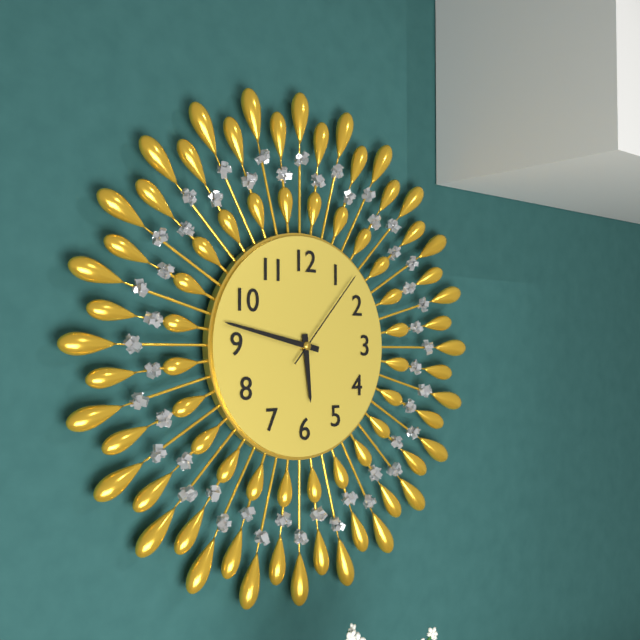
5:47:07
